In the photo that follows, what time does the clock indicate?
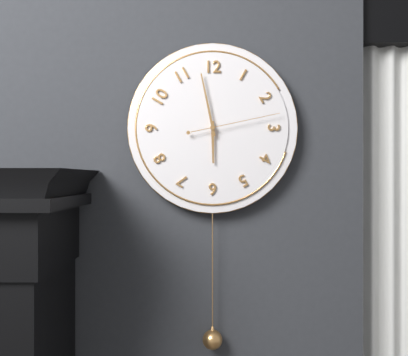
5:58:13
